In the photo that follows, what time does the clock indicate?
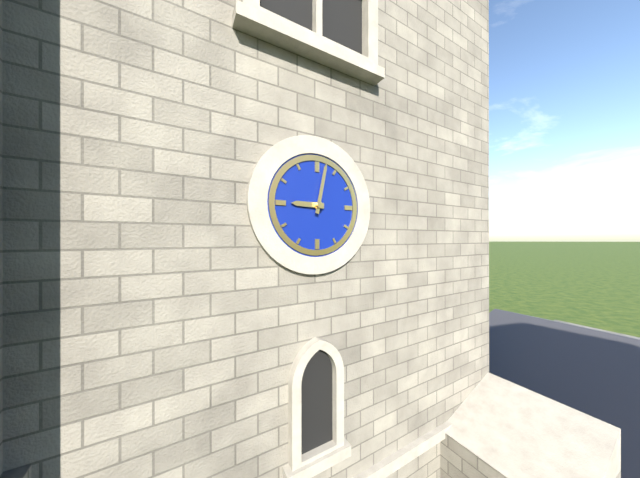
9:02
